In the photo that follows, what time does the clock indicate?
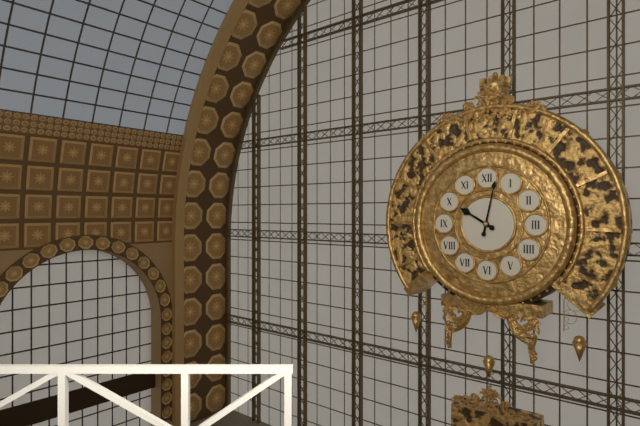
10:02
